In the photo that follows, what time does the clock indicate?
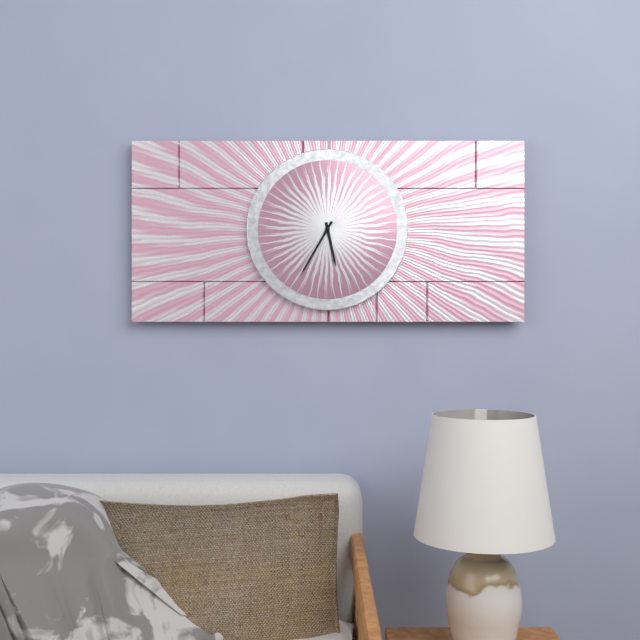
5:35
